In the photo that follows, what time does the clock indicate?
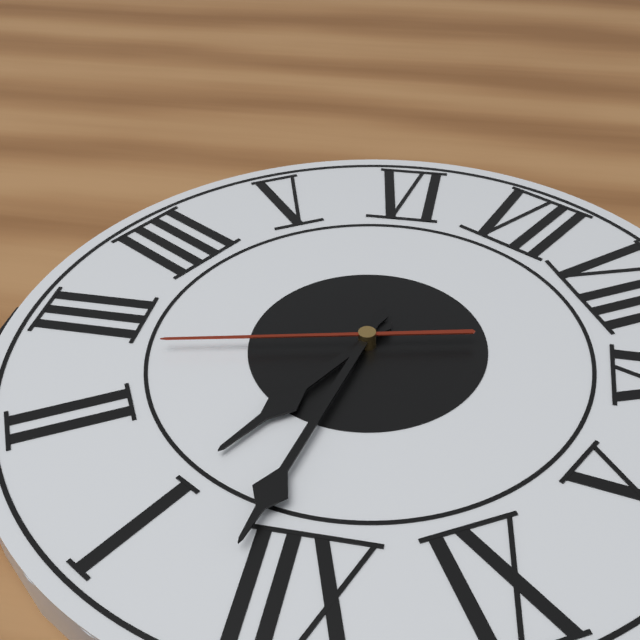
1:02:13
